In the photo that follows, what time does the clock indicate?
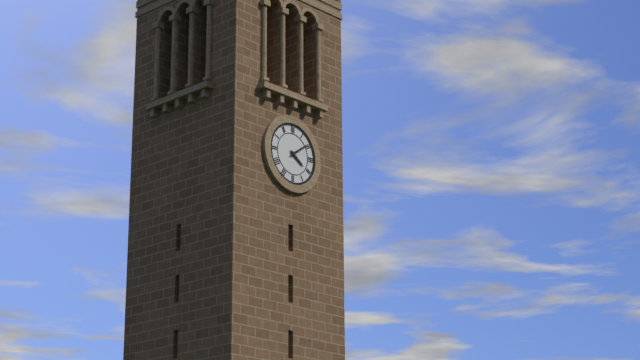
4:09
